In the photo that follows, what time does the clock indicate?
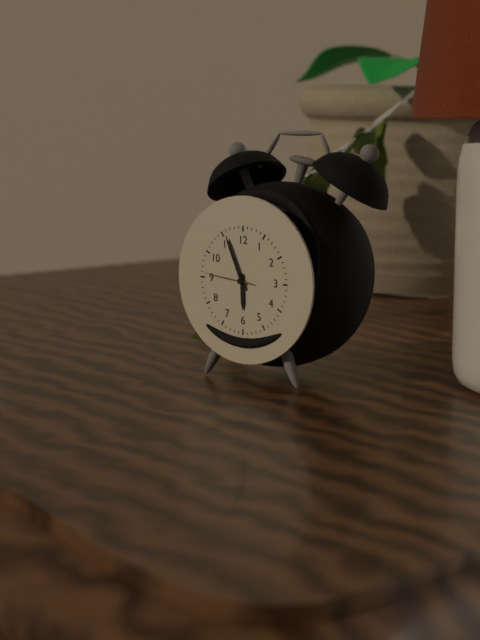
5:56
